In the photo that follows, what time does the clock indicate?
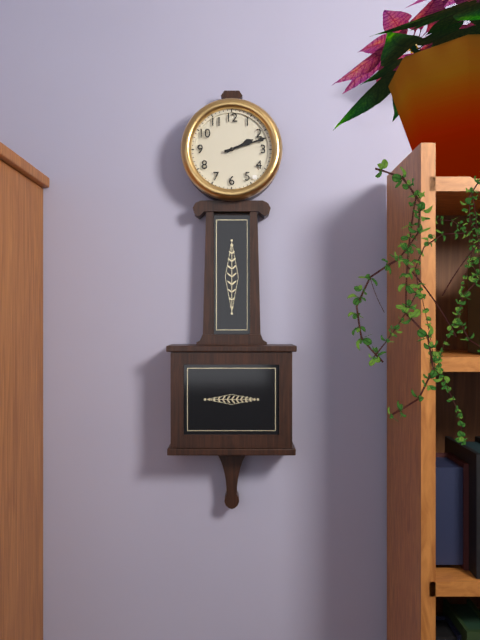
2:12
